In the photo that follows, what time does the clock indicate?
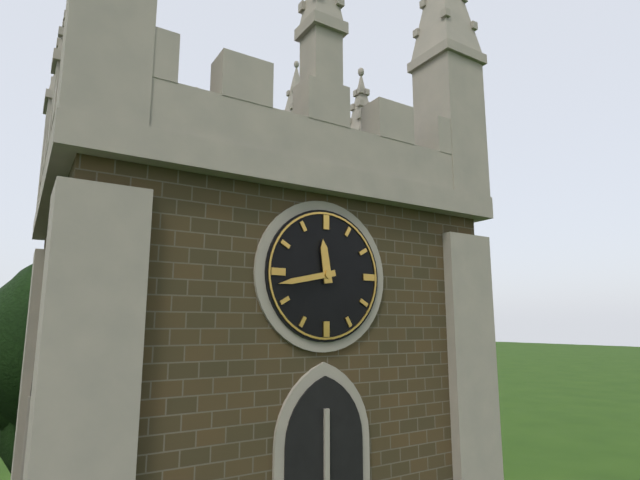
11:43
